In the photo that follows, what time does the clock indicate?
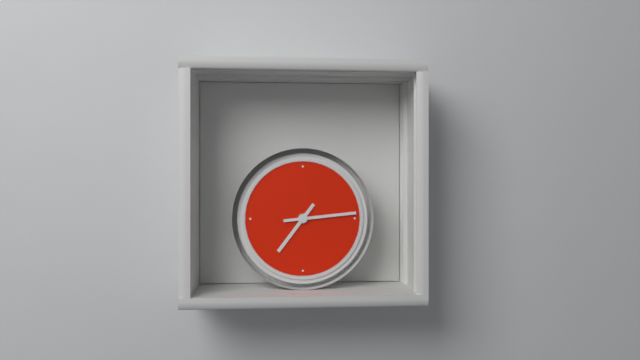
7:14
